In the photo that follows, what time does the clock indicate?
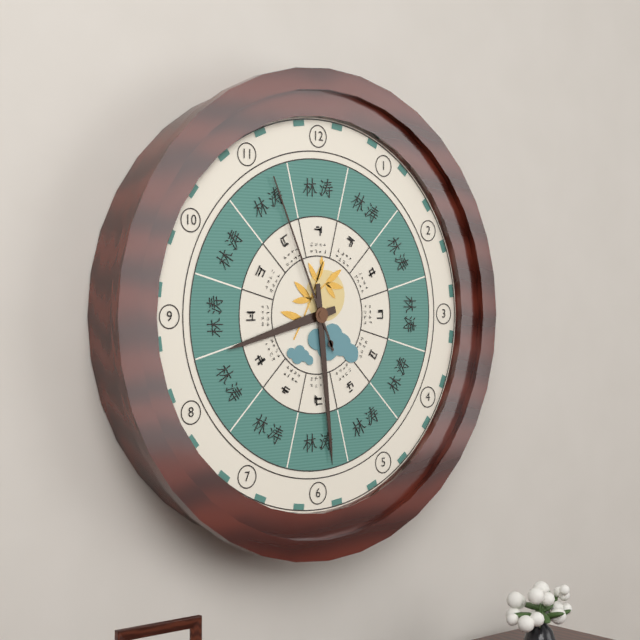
8:29:56
